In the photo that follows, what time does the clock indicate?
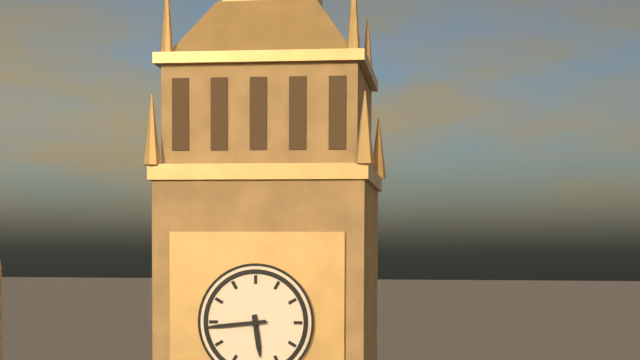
5:44
